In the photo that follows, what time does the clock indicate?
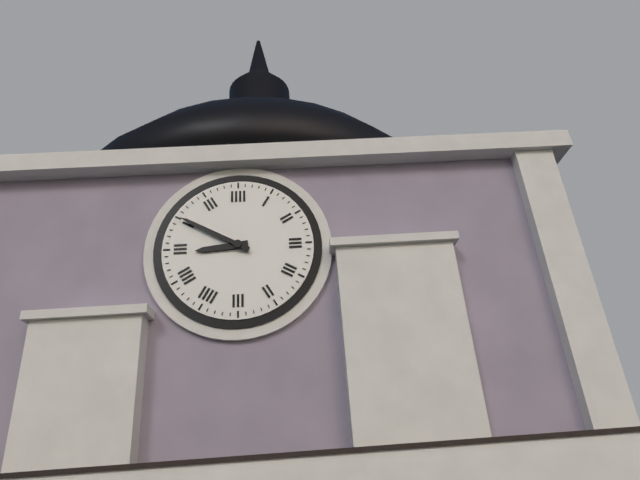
8:50
